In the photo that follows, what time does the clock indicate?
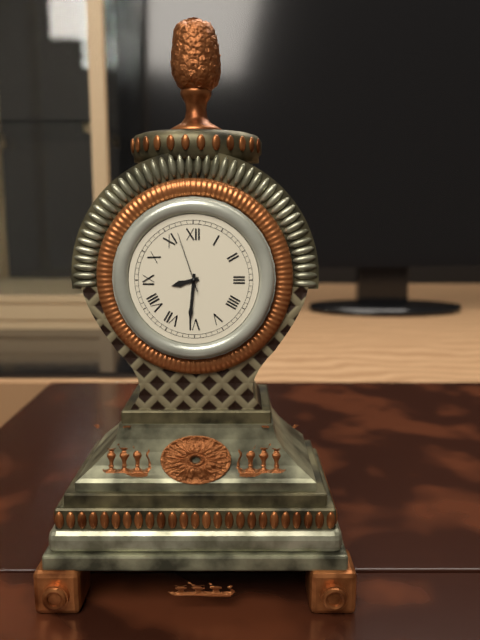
8:31:57
